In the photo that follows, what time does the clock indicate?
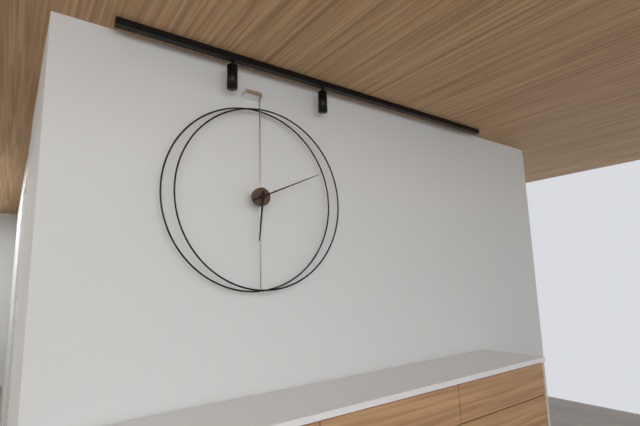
6:11
